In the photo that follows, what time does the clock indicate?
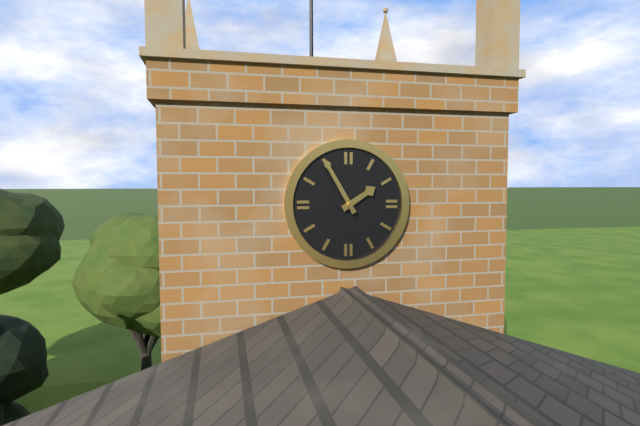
1:55
